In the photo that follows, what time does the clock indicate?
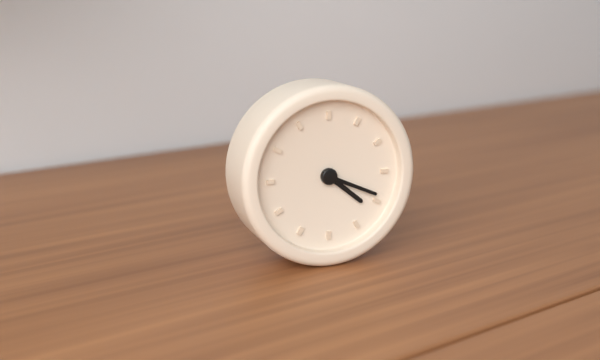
4:19
